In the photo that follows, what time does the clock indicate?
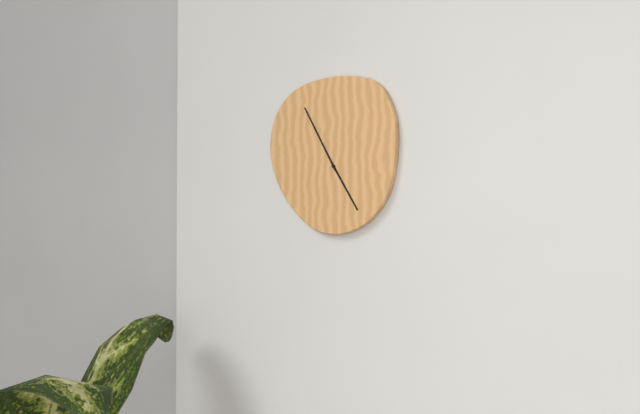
4:55
